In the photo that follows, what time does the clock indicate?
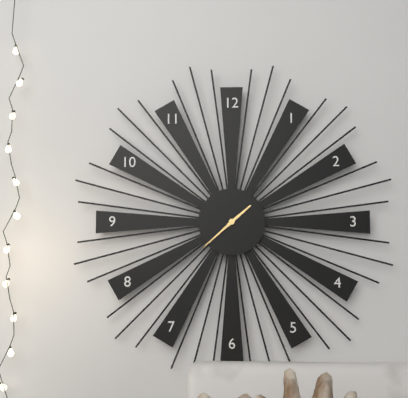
1:38
